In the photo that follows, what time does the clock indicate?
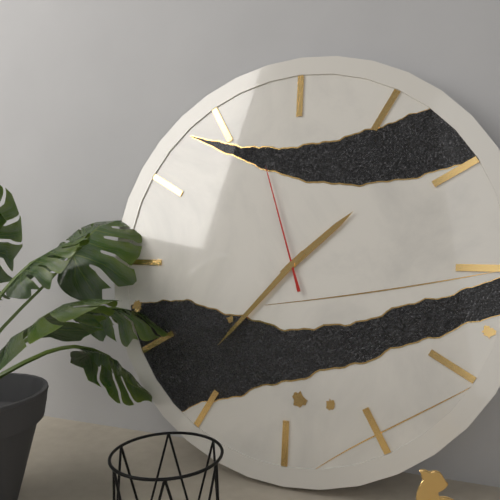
1:37:57
